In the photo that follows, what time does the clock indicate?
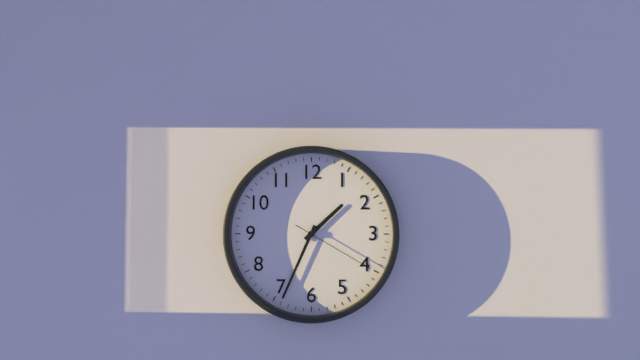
1:34:20
